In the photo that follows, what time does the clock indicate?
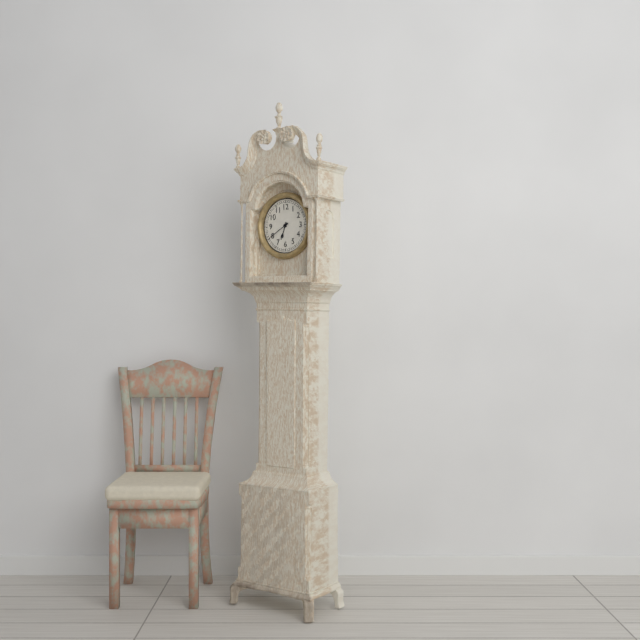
6:40
